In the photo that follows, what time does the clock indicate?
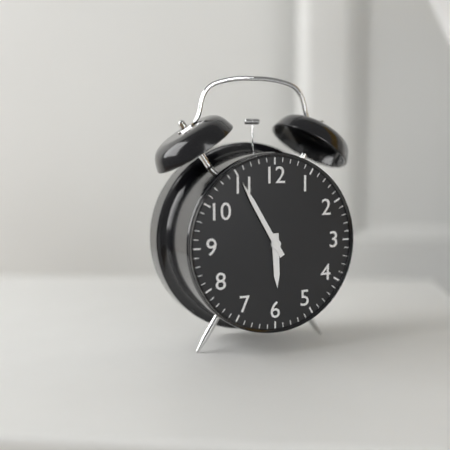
5:55
